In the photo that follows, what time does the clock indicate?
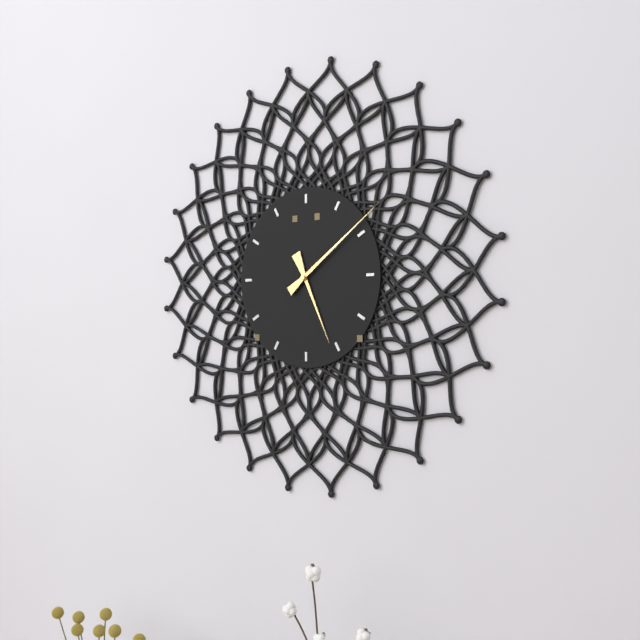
5:09
